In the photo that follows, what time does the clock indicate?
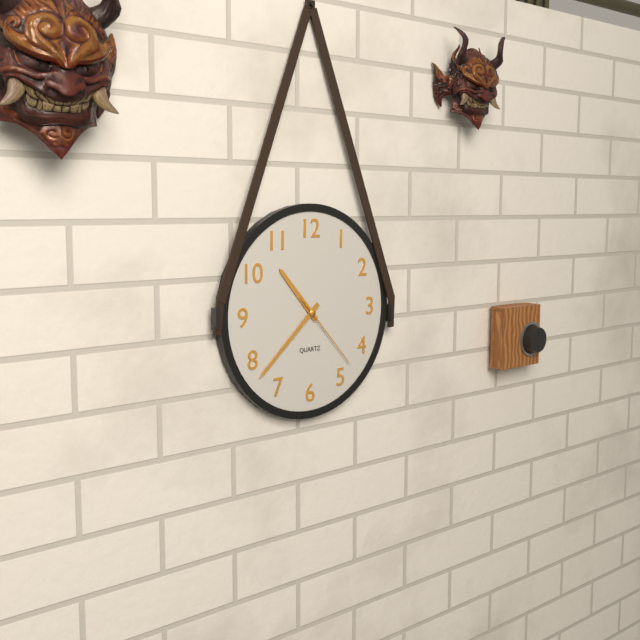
10:38:23
